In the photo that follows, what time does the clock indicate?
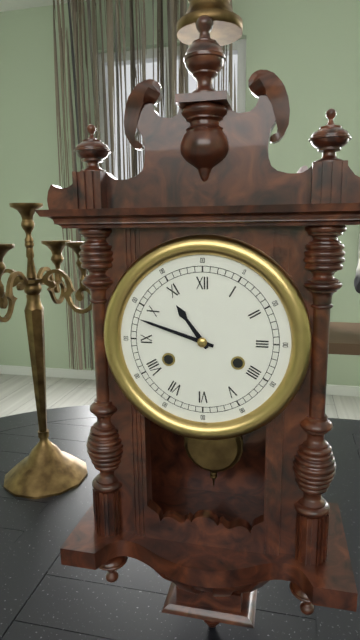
10:48
